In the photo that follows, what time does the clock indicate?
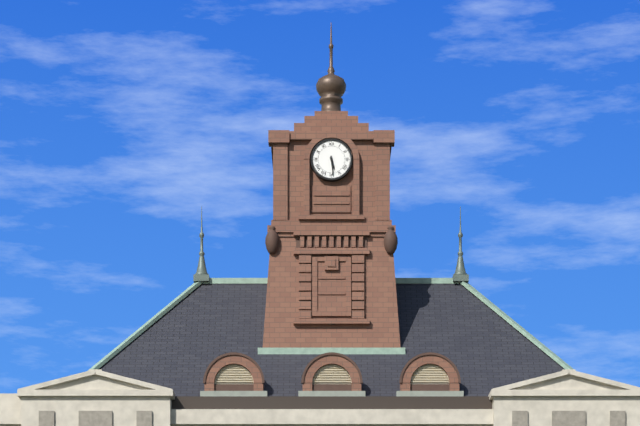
5:29
